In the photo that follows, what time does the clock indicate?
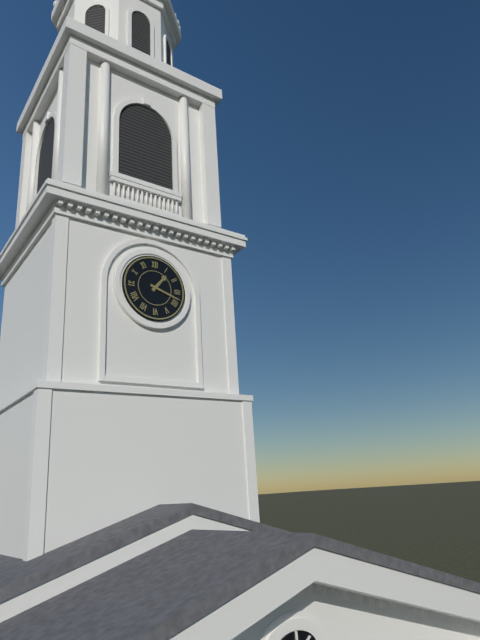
1:18
